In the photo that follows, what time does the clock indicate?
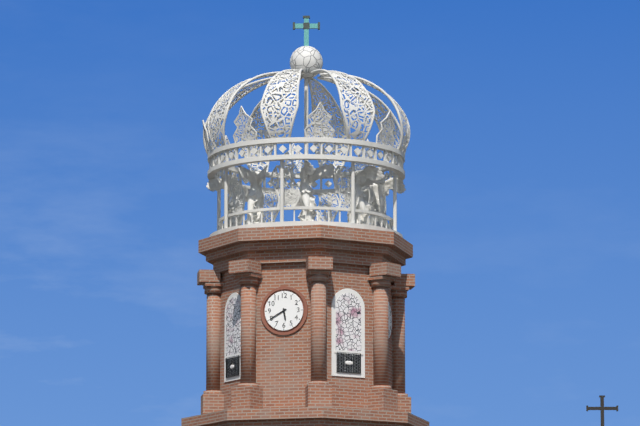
5:40
